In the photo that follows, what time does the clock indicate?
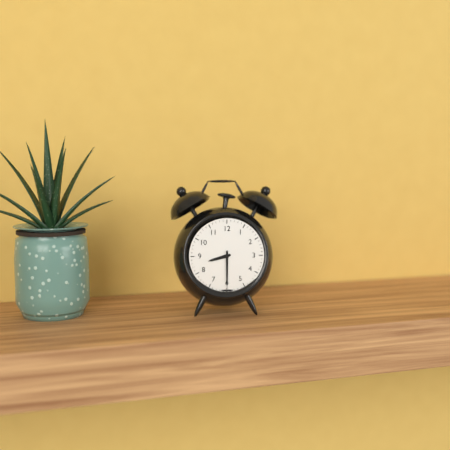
8:30
